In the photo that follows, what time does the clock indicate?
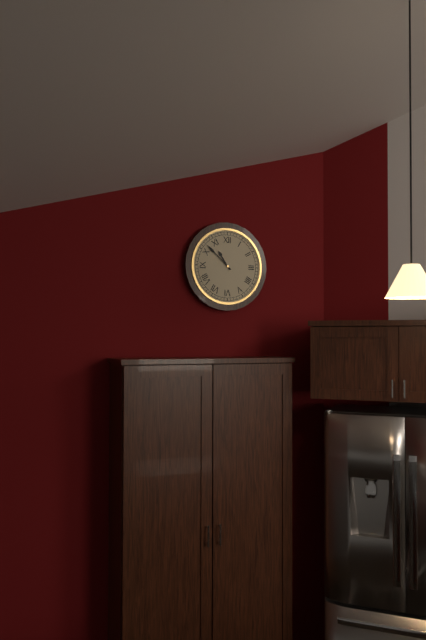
10:52
